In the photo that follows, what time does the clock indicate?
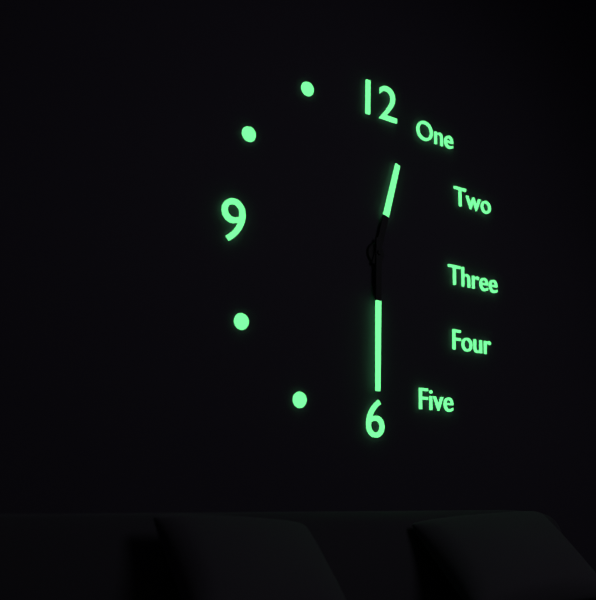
12:30
